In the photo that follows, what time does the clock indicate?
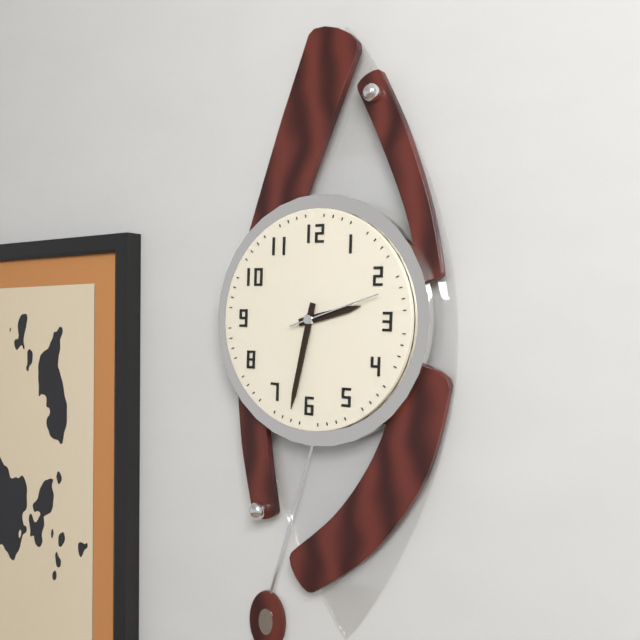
2:32:12
